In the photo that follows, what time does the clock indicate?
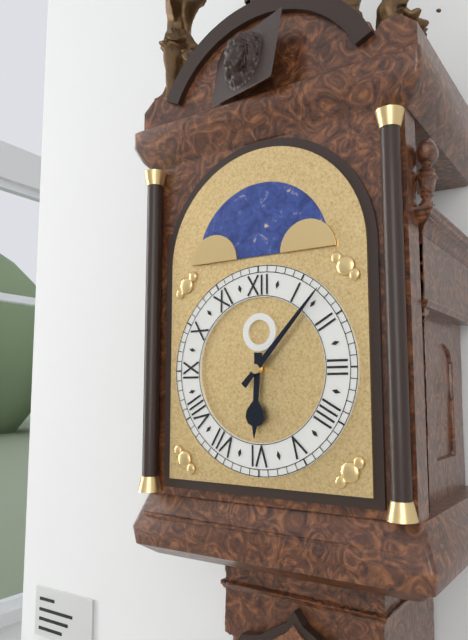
6:07
